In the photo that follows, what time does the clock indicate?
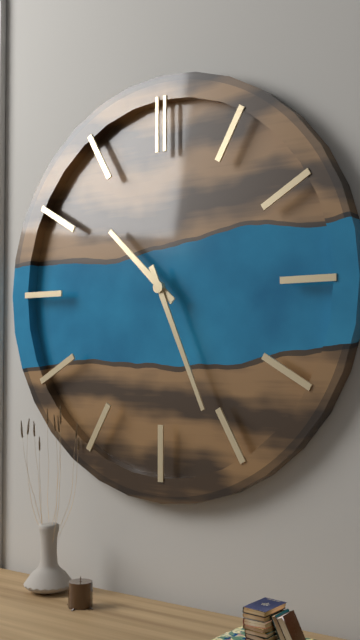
10:26
